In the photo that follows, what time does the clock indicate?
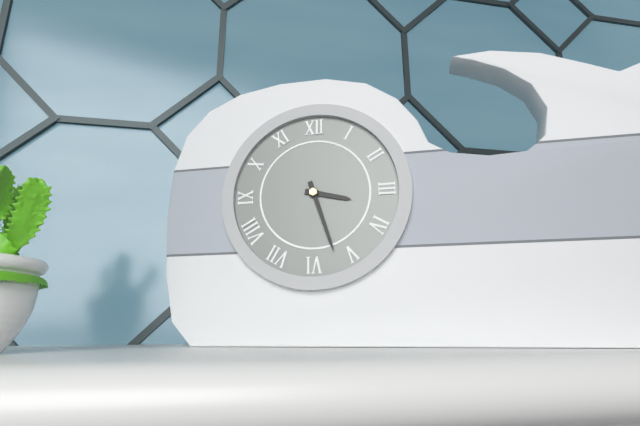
3:27
